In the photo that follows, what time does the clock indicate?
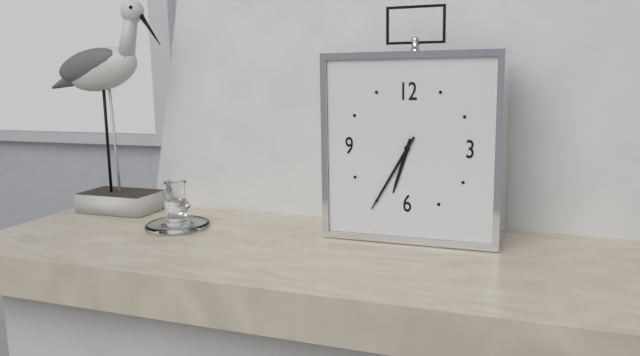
6:35
